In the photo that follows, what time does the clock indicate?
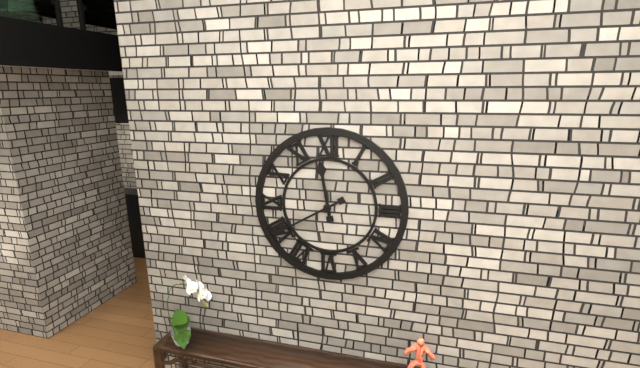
11:40
